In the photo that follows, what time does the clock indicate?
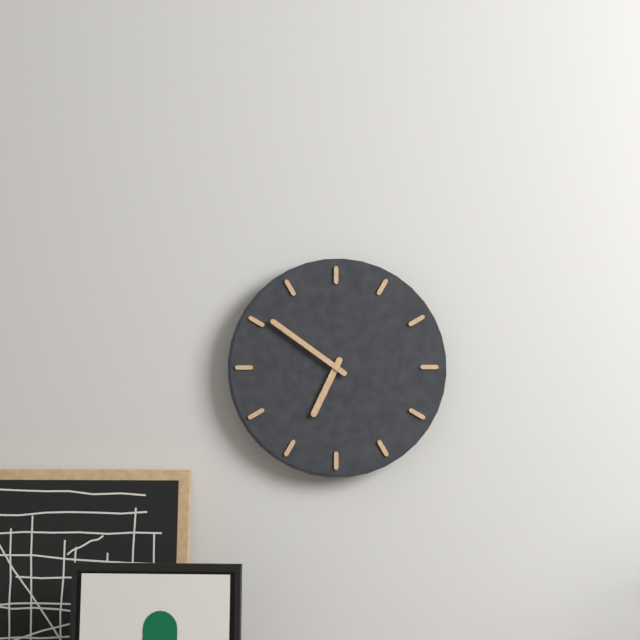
6:51
